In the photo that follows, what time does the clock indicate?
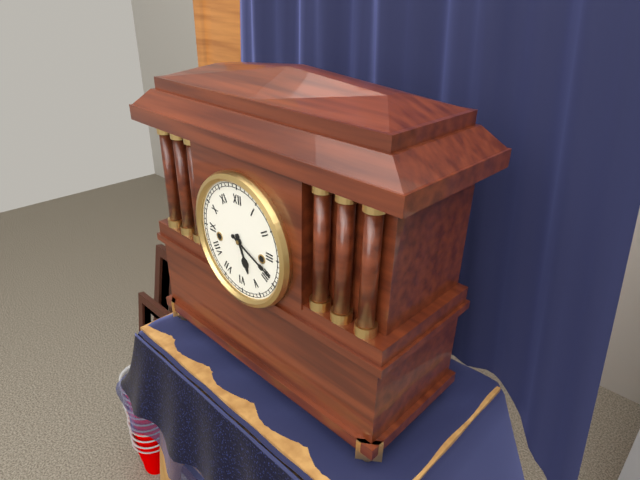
5:19
